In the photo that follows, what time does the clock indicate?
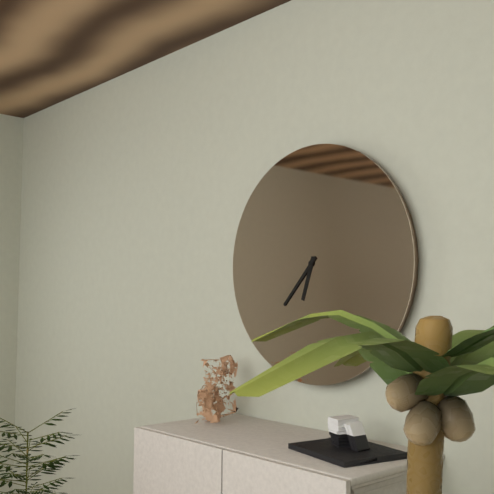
6:37
